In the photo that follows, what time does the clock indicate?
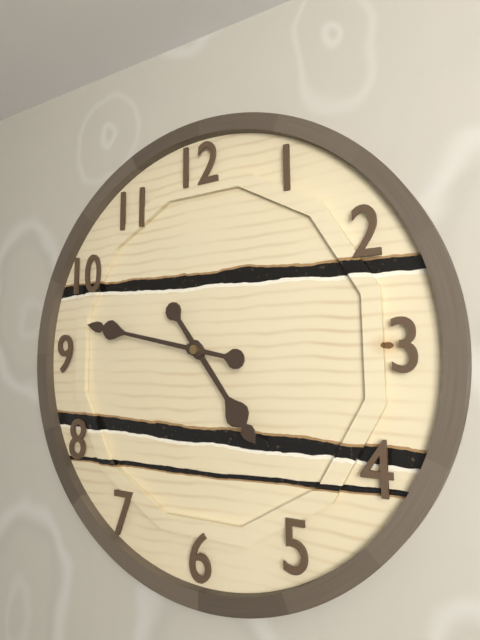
4:47
